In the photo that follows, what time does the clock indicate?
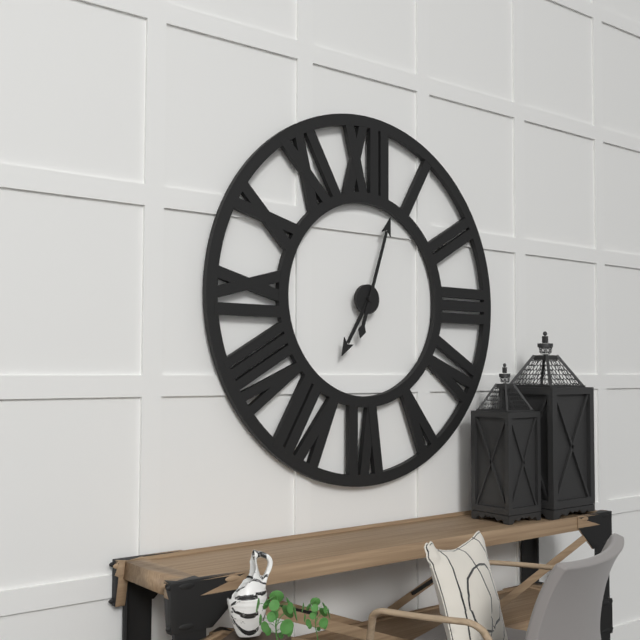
7:03
